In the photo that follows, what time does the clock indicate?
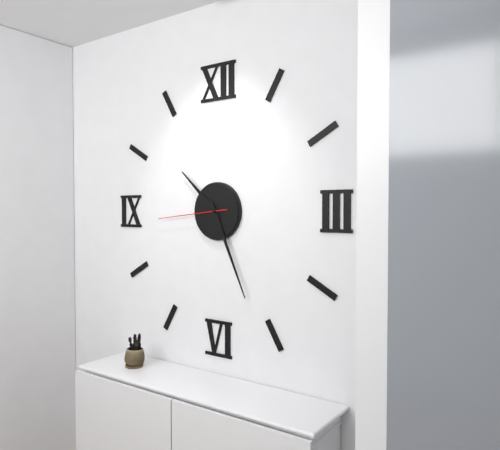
10:26:44
